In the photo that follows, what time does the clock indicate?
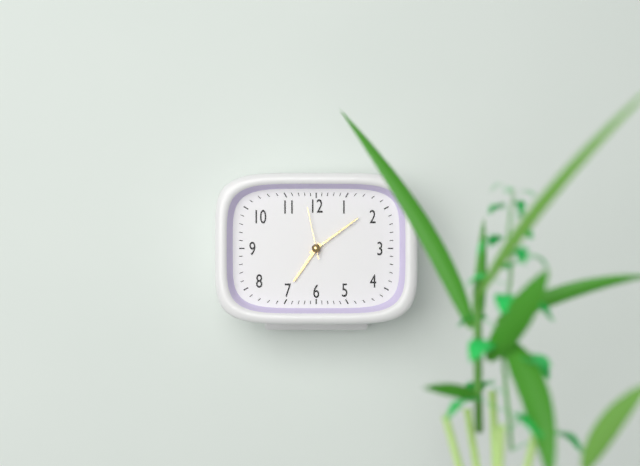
7:09:58
